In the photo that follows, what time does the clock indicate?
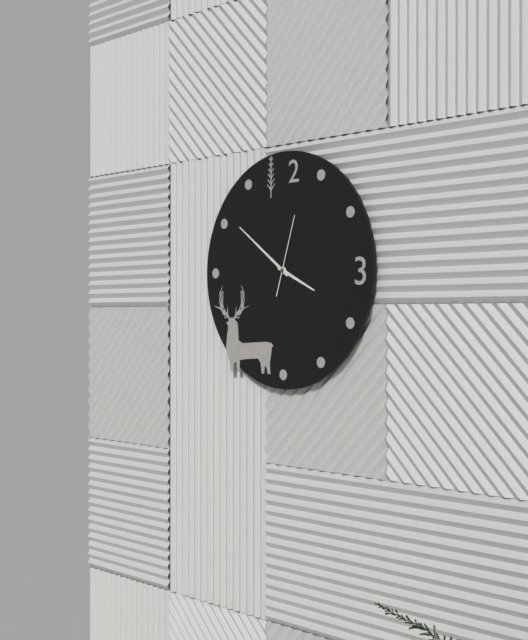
3:51:03
